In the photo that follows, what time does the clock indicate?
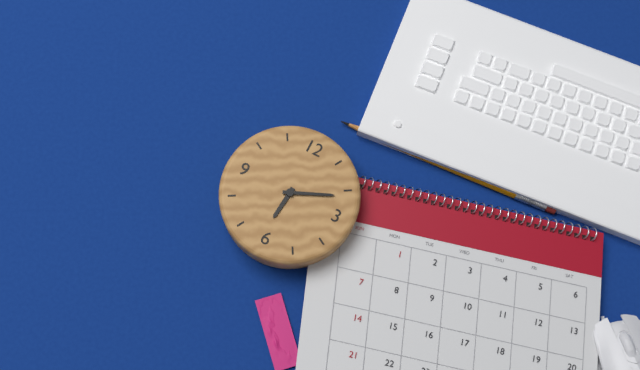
6:11
